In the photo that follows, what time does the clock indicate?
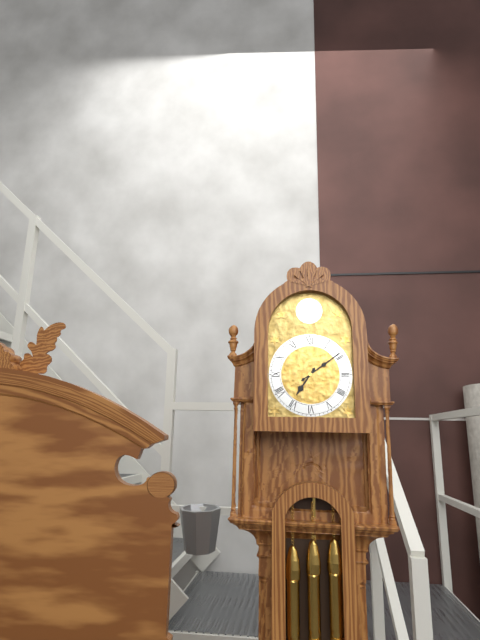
7:09
